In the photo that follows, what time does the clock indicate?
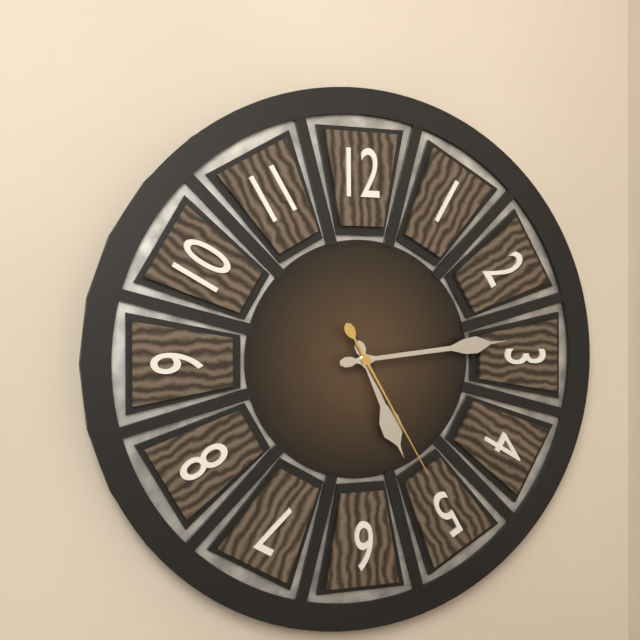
5:14:25
